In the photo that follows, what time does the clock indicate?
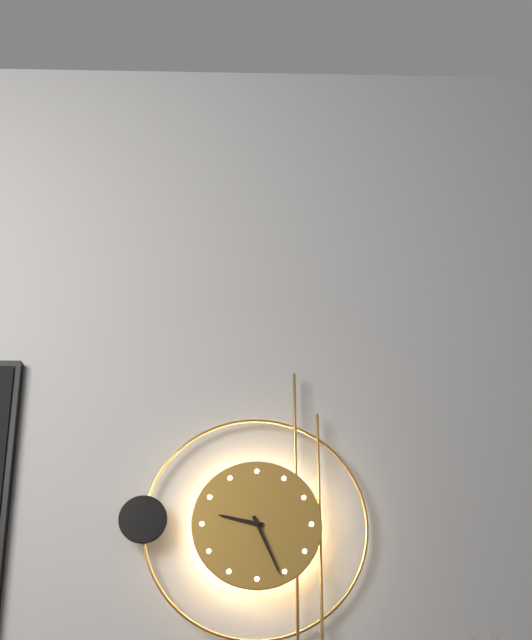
9:26
